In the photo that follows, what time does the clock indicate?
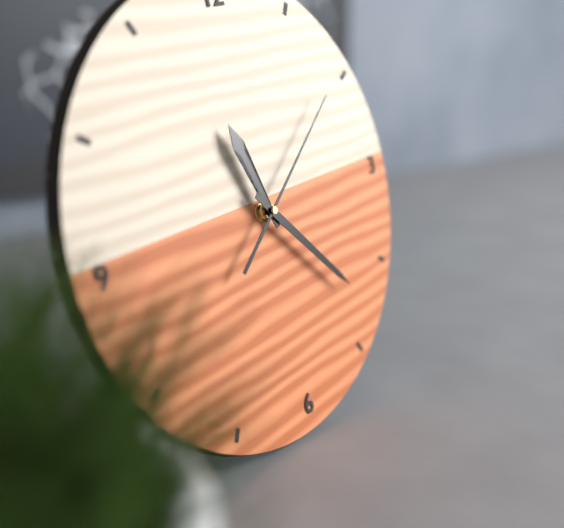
11:23:09
